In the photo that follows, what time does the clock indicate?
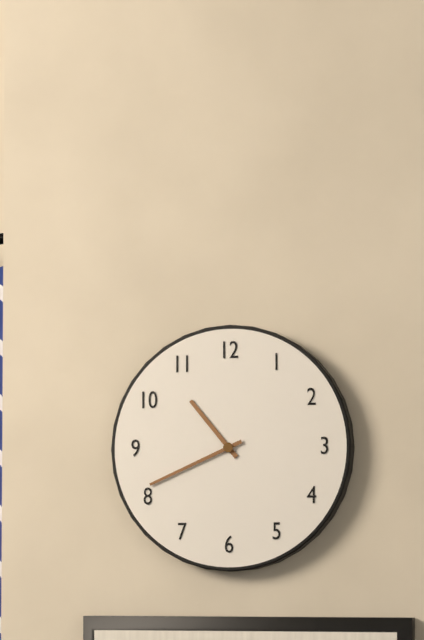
10:41
